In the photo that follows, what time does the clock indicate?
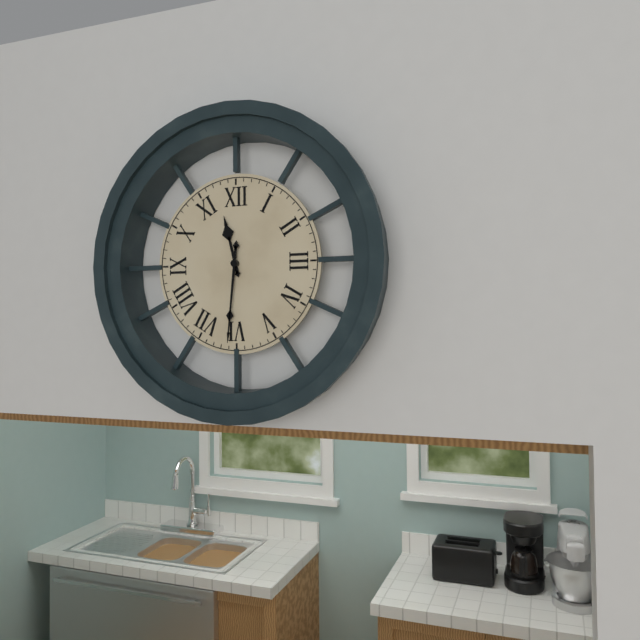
11:31
